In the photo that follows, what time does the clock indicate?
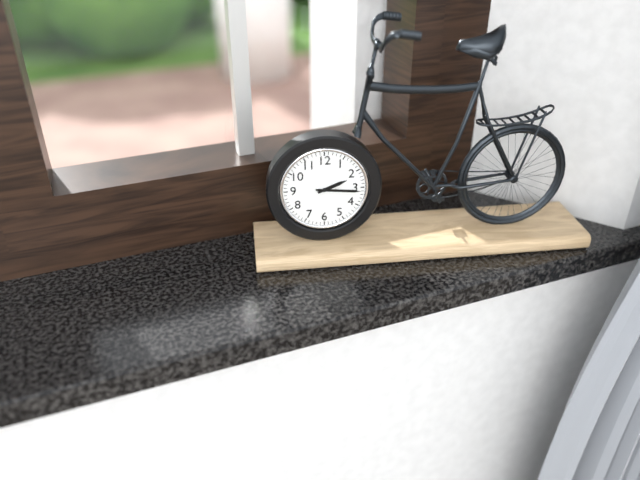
2:16
